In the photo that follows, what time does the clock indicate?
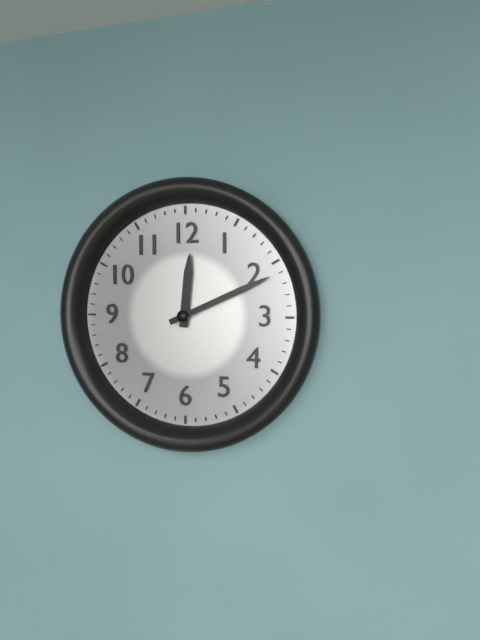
12:11
